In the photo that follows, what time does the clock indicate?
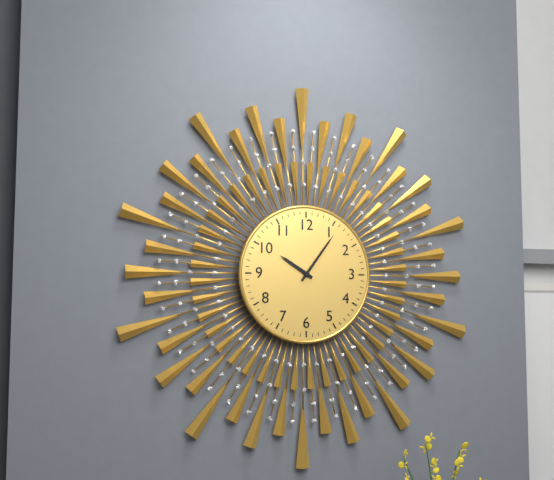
10:06
